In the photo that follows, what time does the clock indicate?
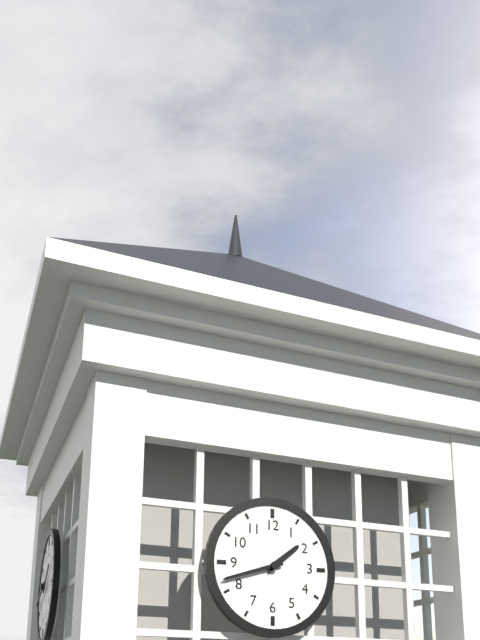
1:42
